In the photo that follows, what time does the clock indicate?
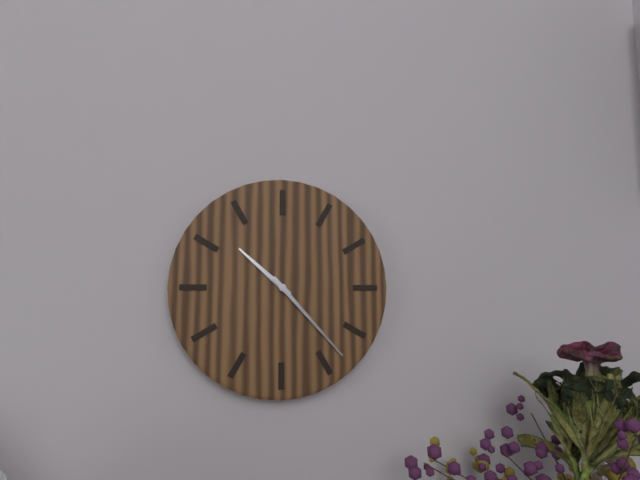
10:23
